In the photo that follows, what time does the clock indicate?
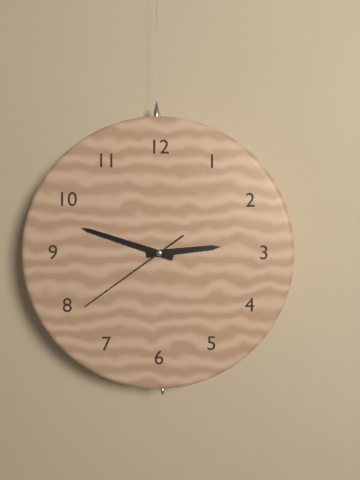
2:48:39
